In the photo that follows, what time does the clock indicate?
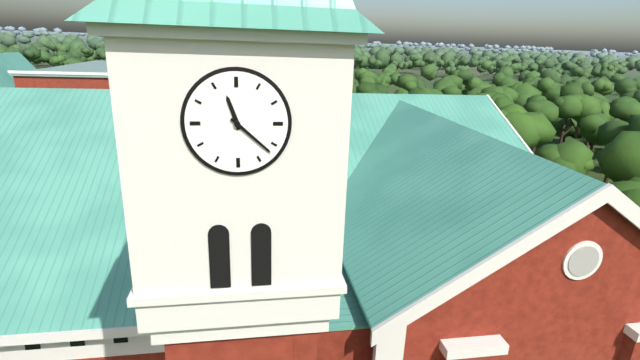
11:22
